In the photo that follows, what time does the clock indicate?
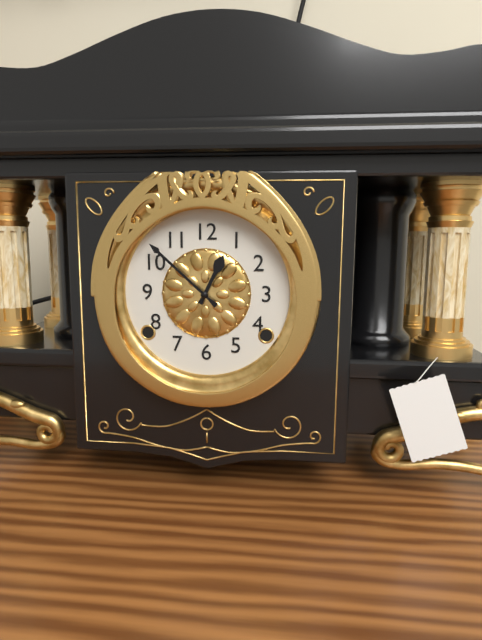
12:52
